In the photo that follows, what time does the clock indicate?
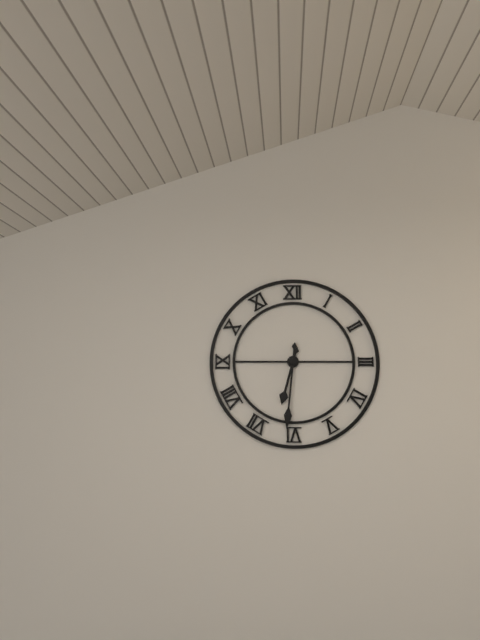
6:31
